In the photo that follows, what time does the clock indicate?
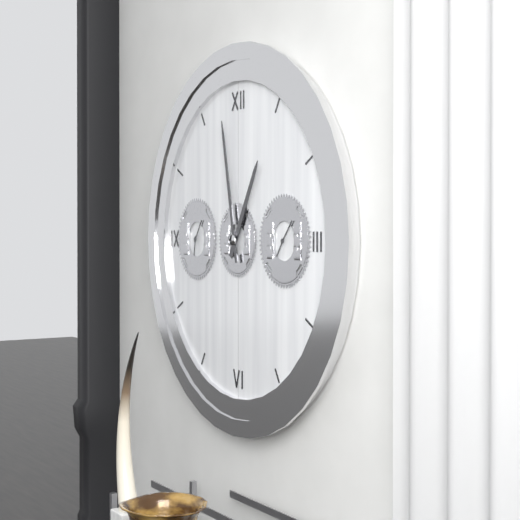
12:58
